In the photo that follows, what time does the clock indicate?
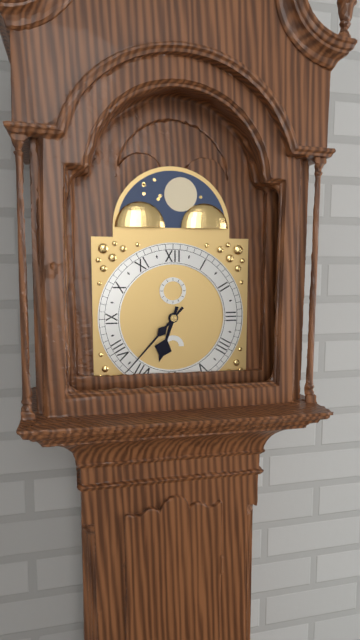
6:37
